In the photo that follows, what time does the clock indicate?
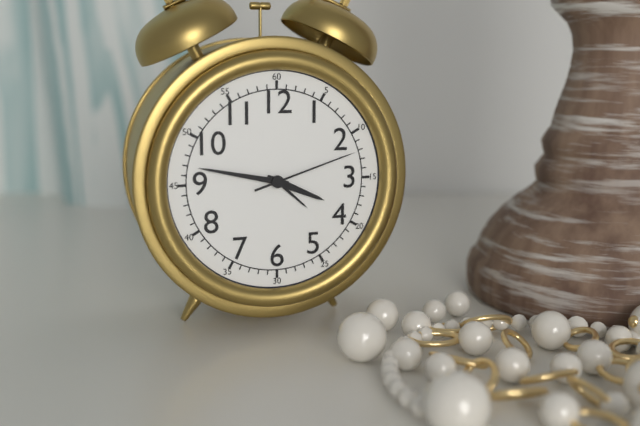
3:47:12
